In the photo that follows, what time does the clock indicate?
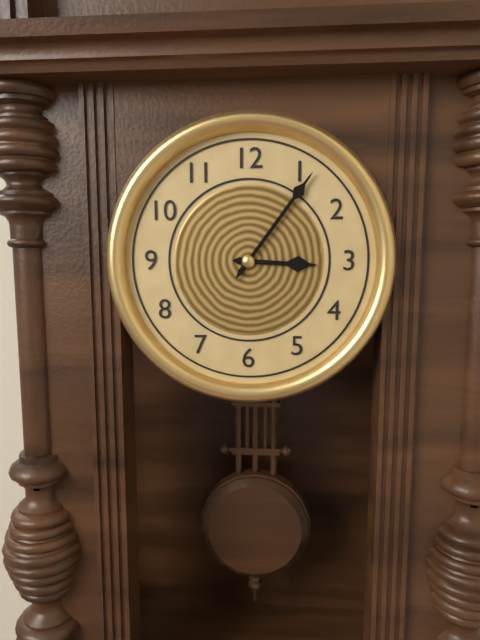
3:06
